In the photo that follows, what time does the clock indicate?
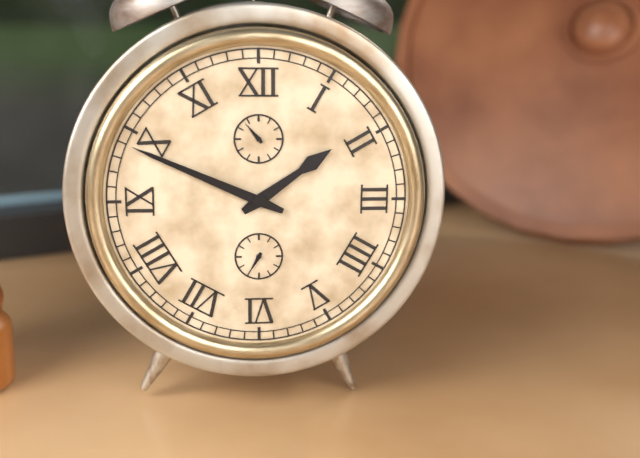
1:49
